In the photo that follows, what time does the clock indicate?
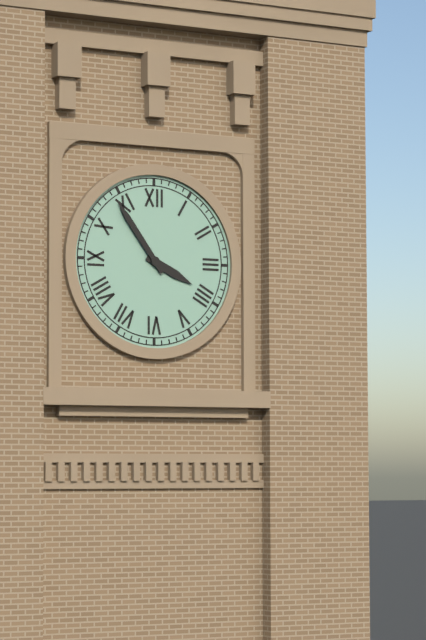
3:54
